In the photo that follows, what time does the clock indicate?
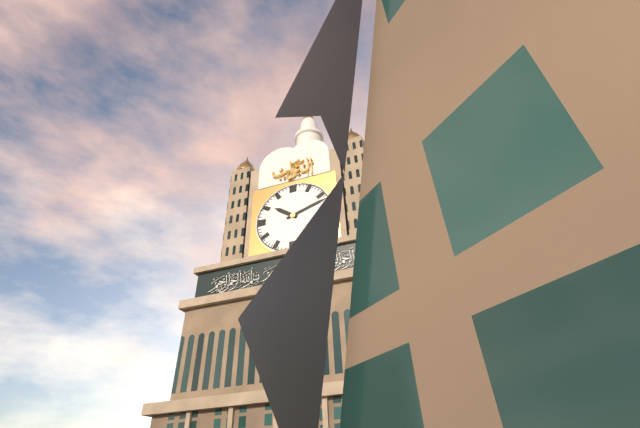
10:12
